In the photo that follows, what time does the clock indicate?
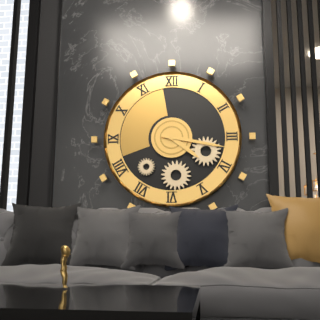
4:17
